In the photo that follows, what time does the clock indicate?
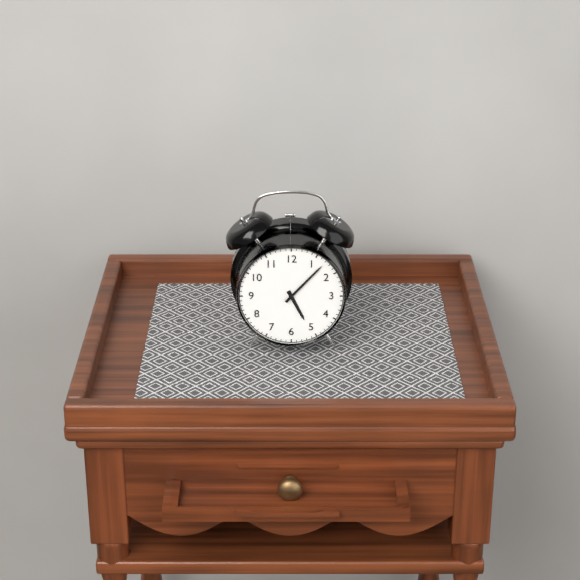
5:07
